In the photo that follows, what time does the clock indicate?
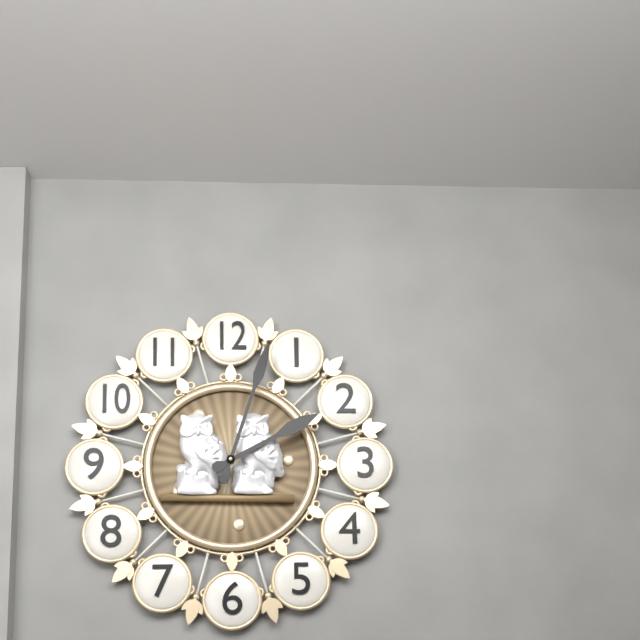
2:03
